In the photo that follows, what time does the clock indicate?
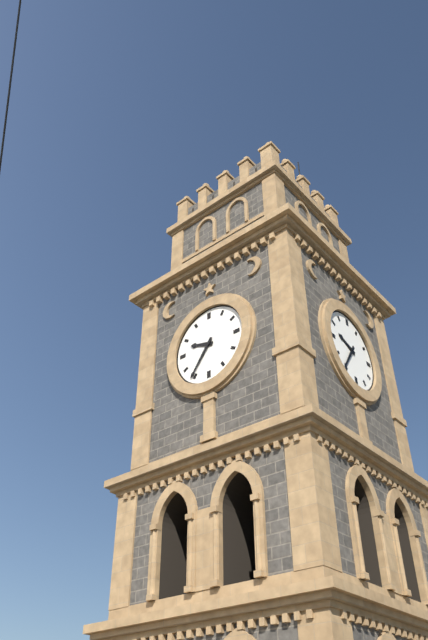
9:36
